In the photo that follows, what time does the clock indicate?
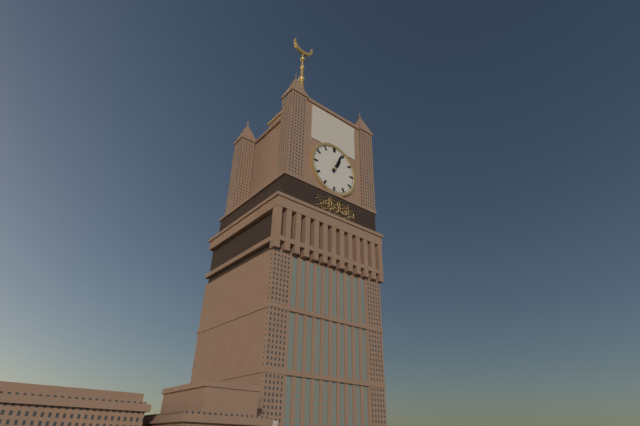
1:04
